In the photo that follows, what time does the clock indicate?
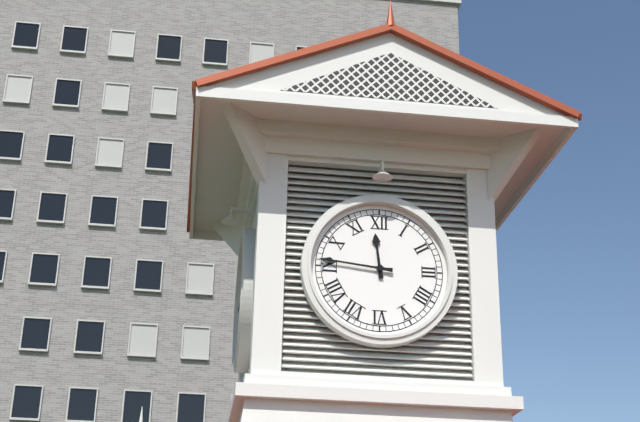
11:46
